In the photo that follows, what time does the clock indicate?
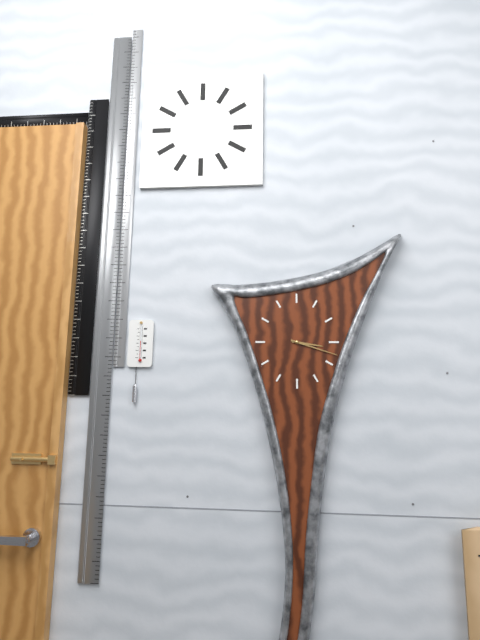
3:18
